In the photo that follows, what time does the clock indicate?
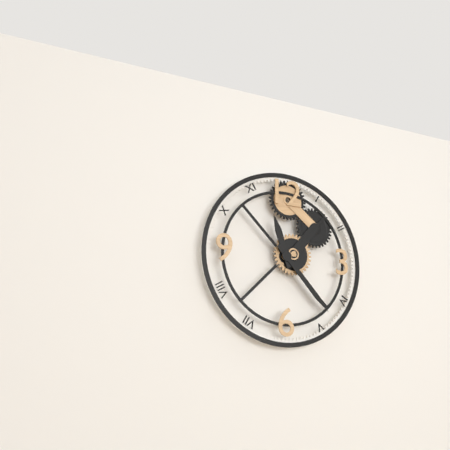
11:23
